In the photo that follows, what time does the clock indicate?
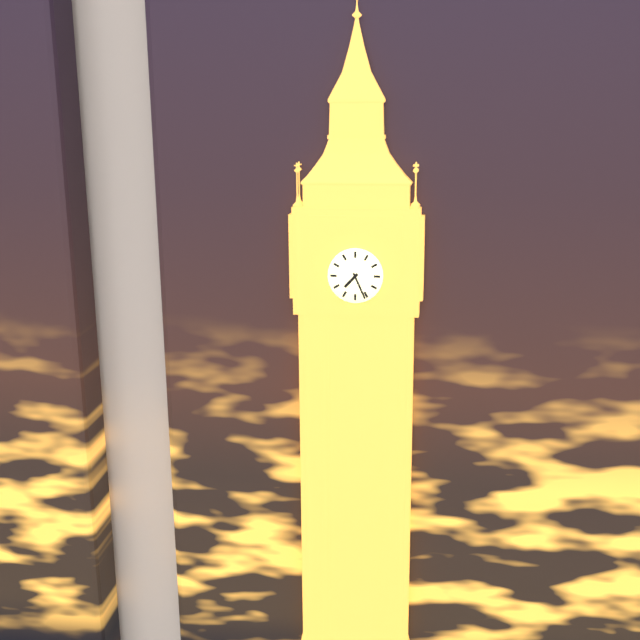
7:26
